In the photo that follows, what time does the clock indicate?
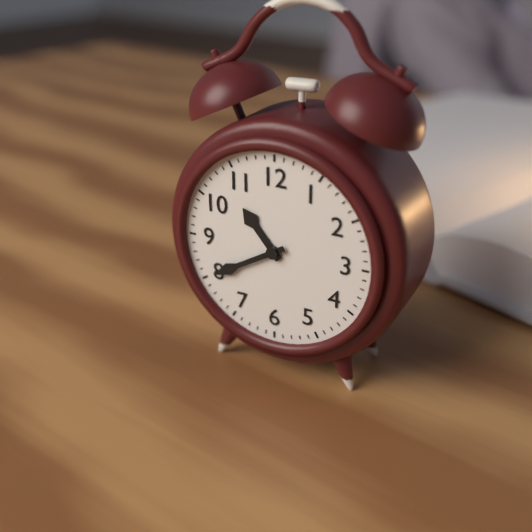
10:40
